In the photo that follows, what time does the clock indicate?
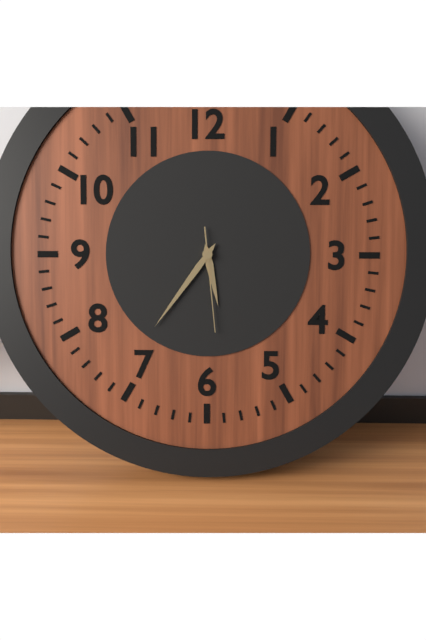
5:36:29
